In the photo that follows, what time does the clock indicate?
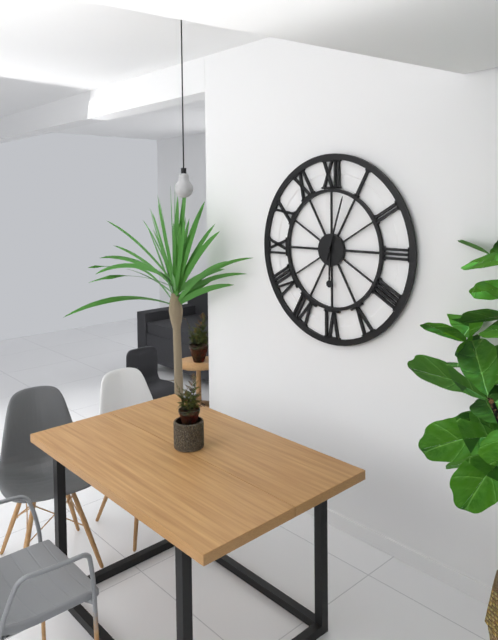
6:03
